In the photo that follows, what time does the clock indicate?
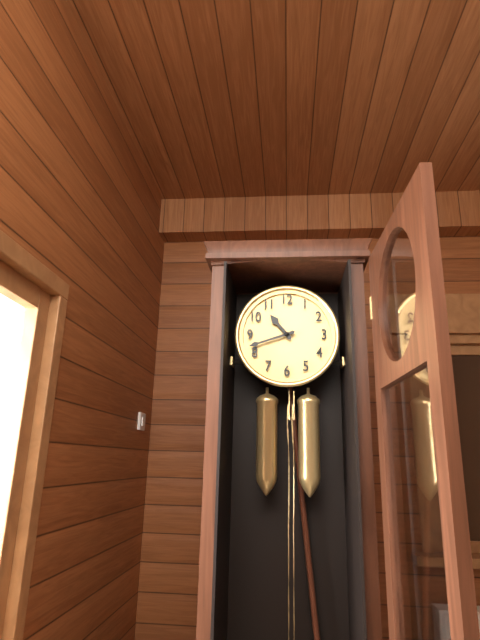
10:42
